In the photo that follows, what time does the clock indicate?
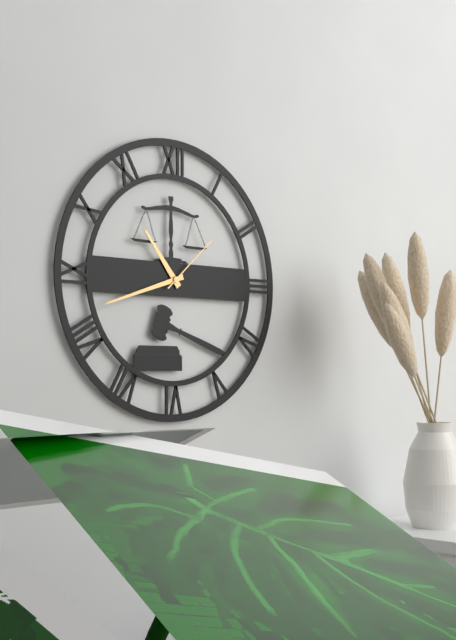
10:42:08
